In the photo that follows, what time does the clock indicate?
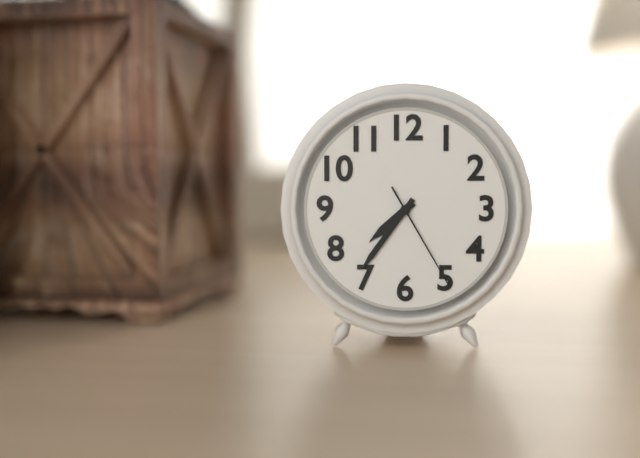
7:36:25
